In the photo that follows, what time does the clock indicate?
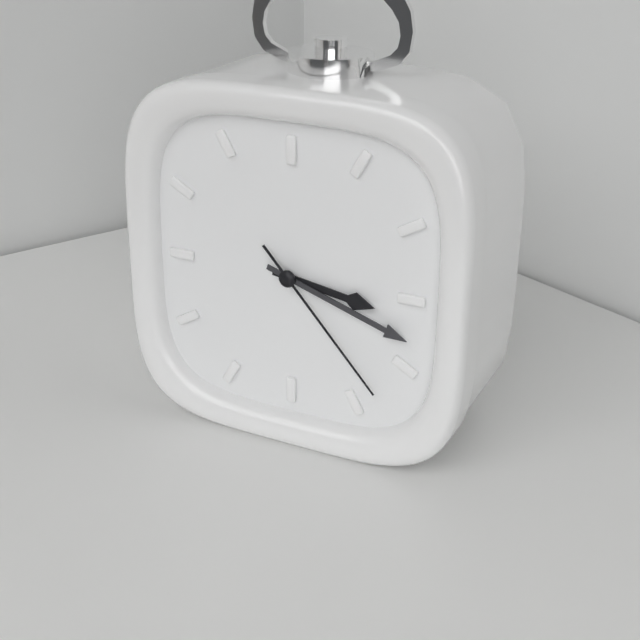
3:18:23
